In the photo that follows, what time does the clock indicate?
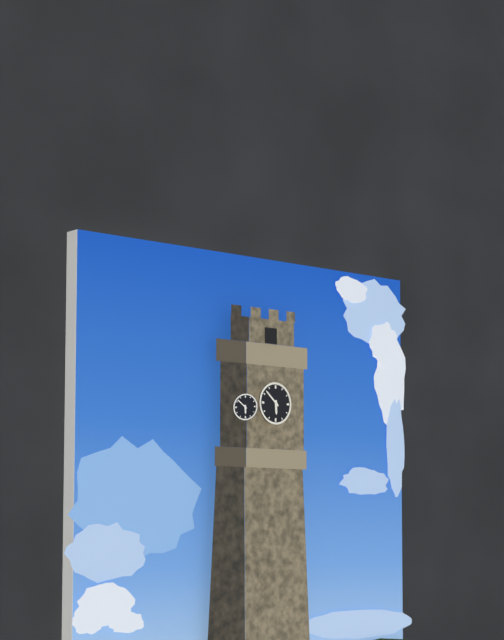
5:52
